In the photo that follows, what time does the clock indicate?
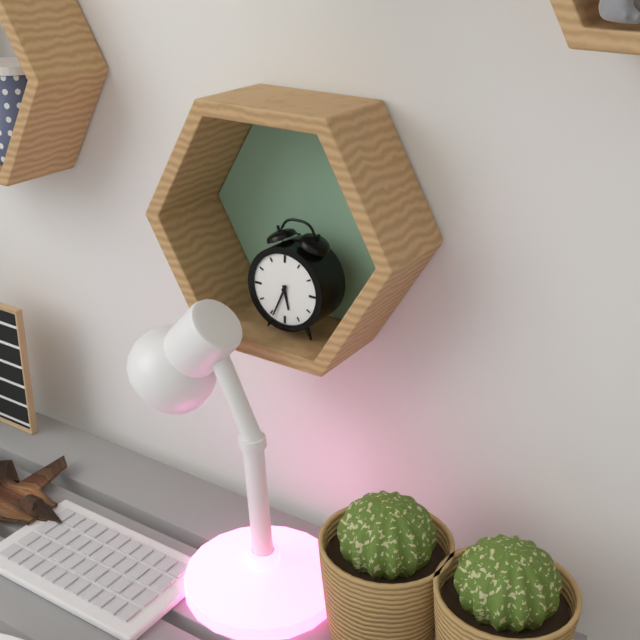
5:34
